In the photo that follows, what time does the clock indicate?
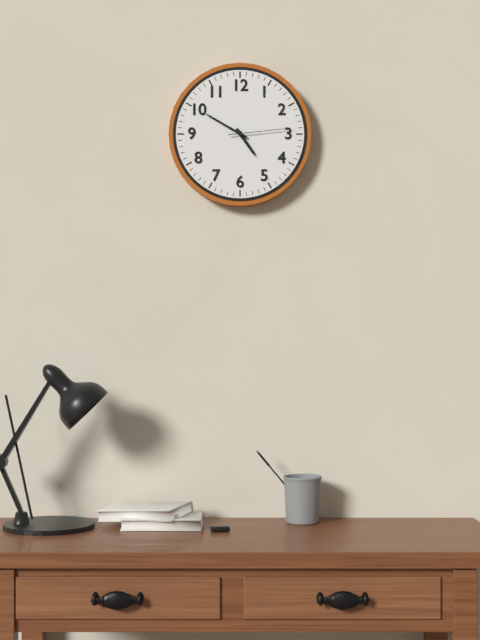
4:50:14
